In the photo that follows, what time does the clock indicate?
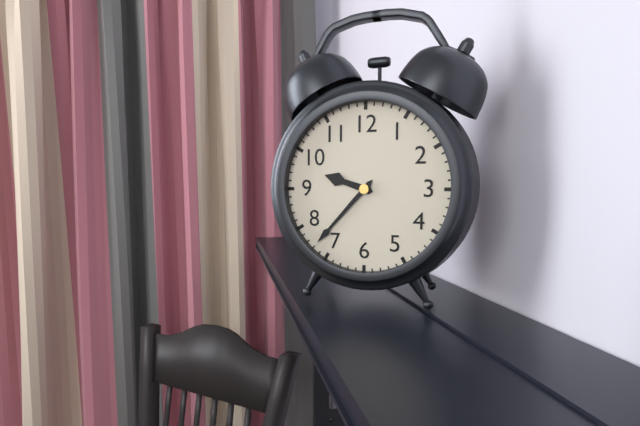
9:37
